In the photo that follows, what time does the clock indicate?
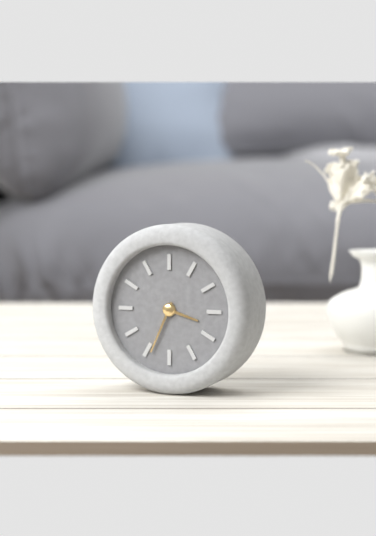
3:34
